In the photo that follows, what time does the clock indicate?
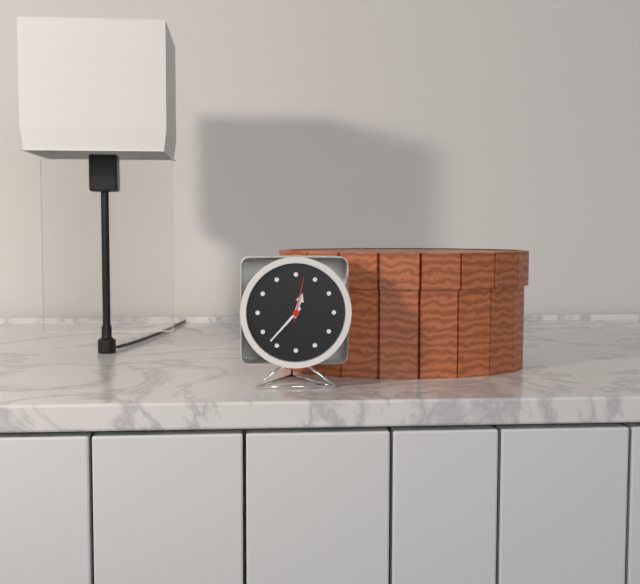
12:37
